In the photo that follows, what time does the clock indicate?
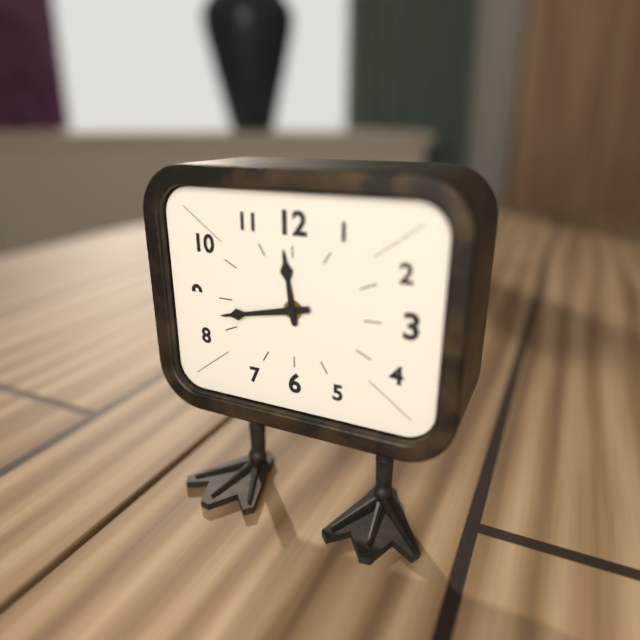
11:43
